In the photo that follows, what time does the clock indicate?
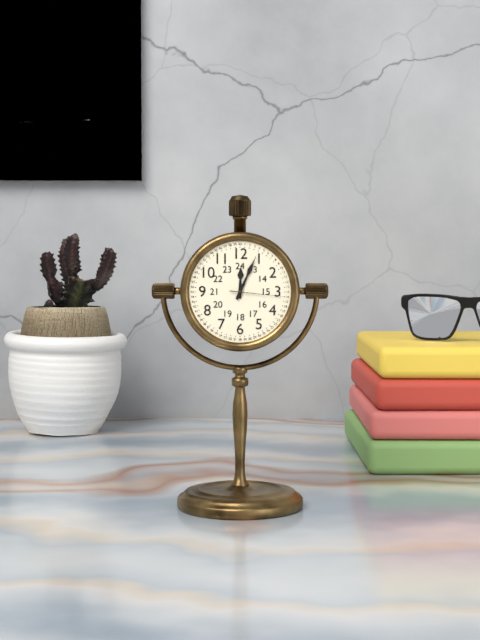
12:04:16
